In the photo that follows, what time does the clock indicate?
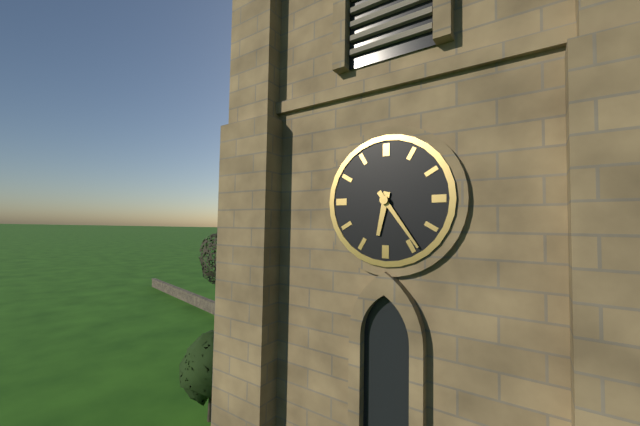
6:24
